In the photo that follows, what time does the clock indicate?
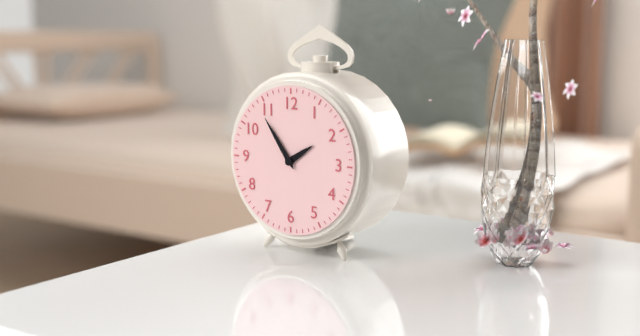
1:54
